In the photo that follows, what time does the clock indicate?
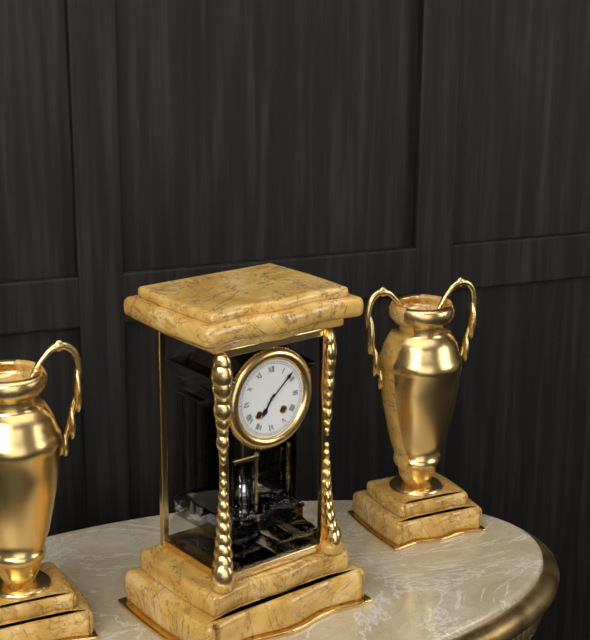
7:08
